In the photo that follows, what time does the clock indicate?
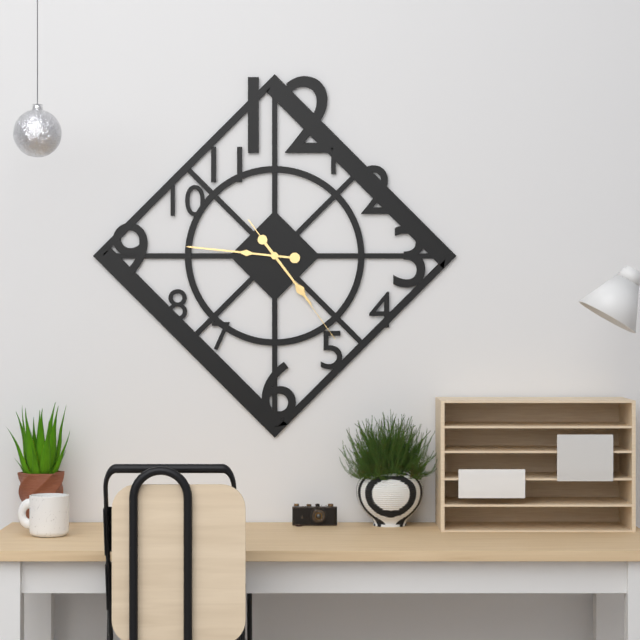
4:46:24
